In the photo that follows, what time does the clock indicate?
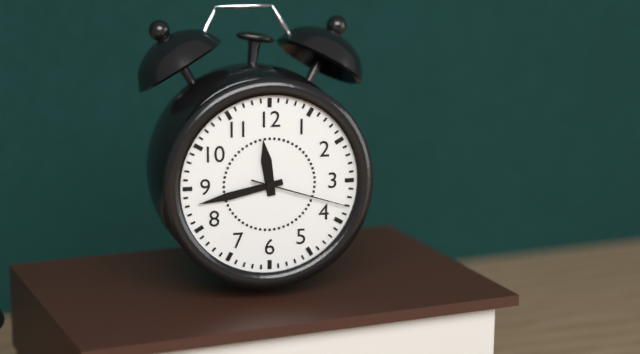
11:43:18
